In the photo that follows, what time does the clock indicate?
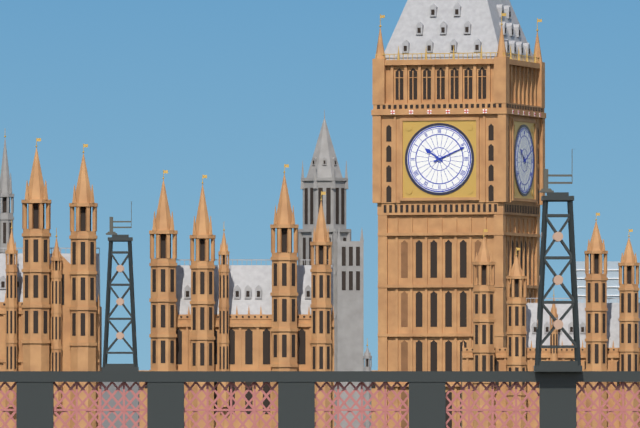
10:11
